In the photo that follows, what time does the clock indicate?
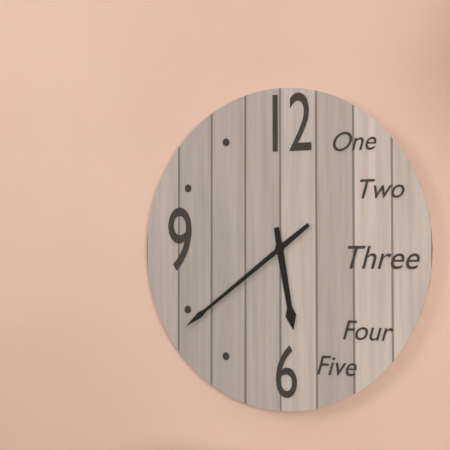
5:39
